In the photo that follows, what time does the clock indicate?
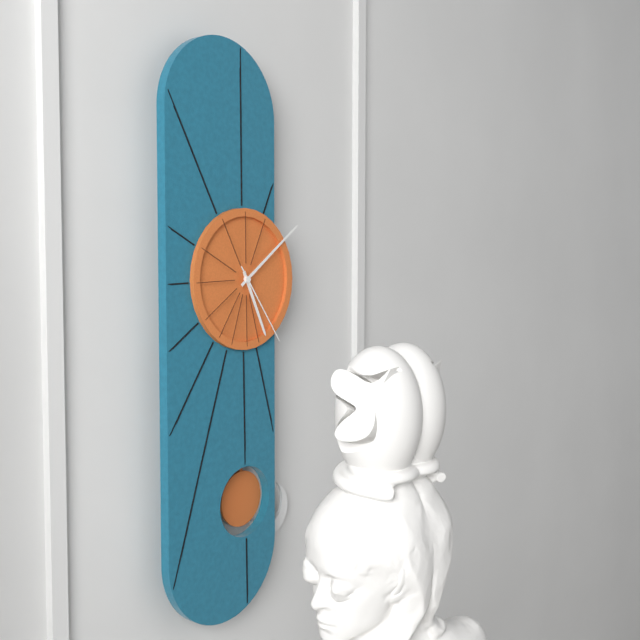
5:09:24
